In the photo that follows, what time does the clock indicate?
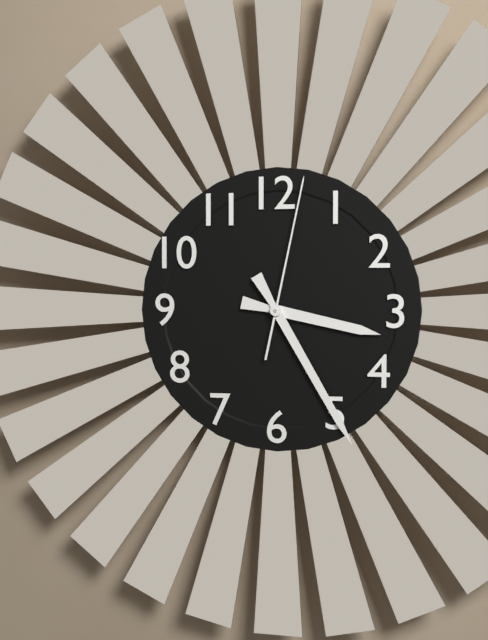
3:25:02
